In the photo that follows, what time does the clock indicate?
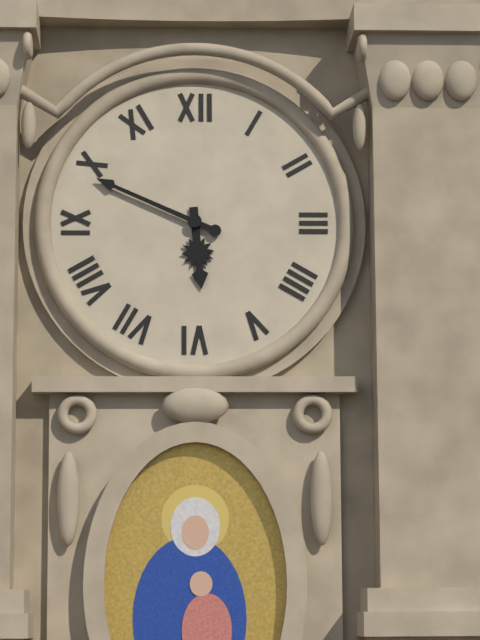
5:49
